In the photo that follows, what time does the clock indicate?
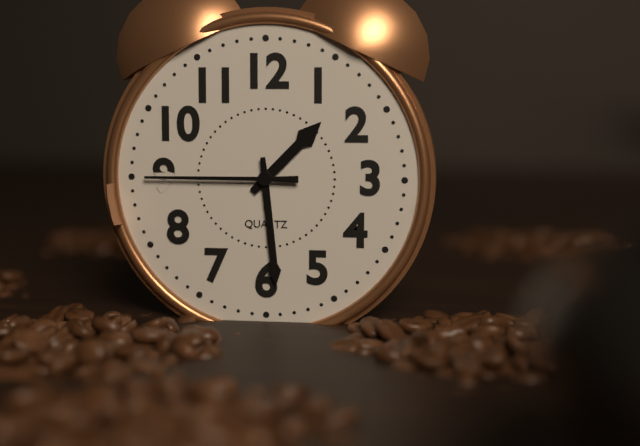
1:29:45
